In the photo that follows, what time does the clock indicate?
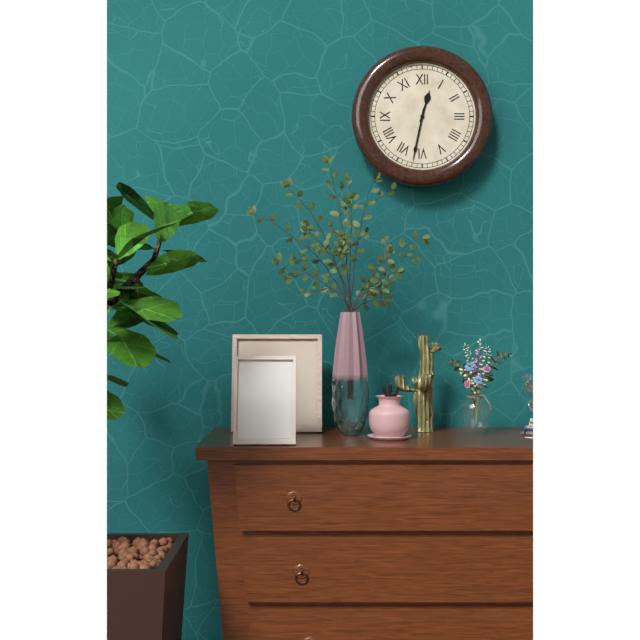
12:32
